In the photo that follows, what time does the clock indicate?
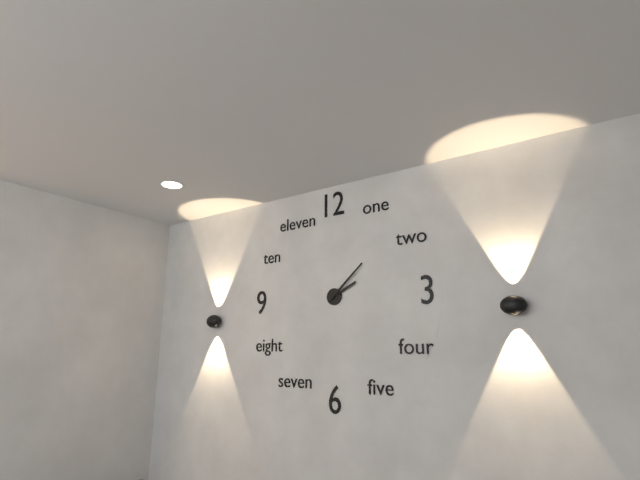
2:08
